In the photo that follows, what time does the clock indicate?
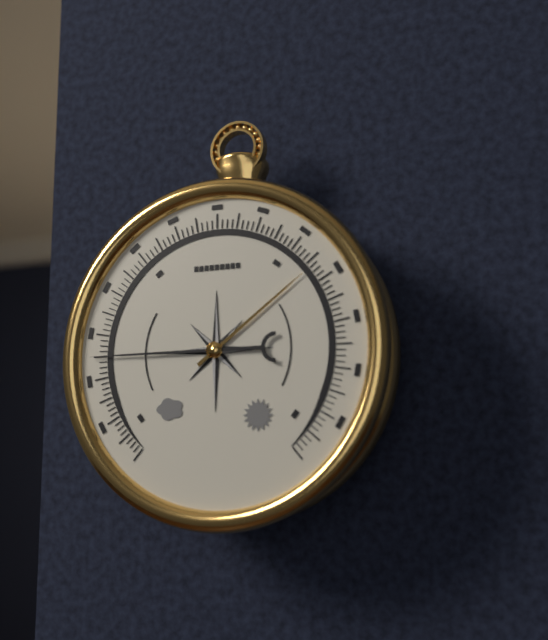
1:45
